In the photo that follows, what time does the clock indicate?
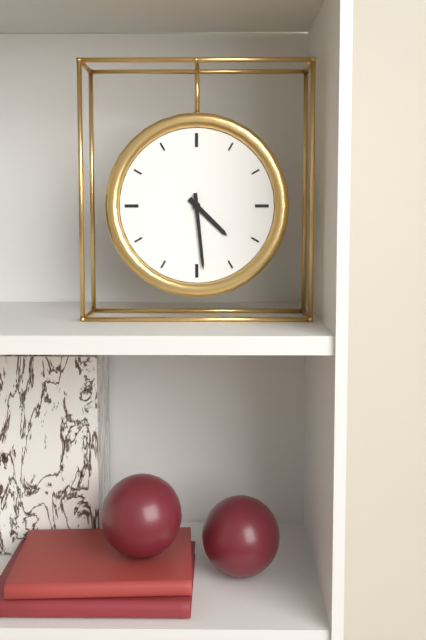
4:29
